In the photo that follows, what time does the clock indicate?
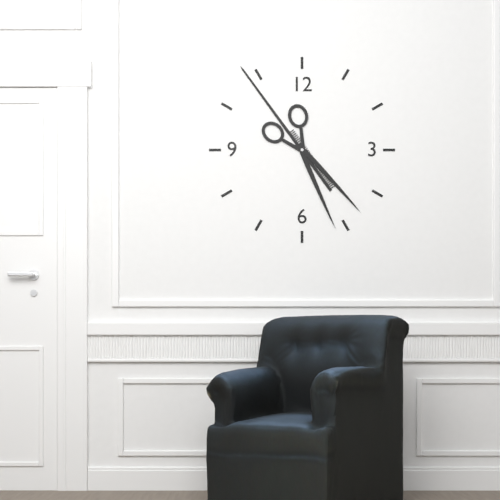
4:54
